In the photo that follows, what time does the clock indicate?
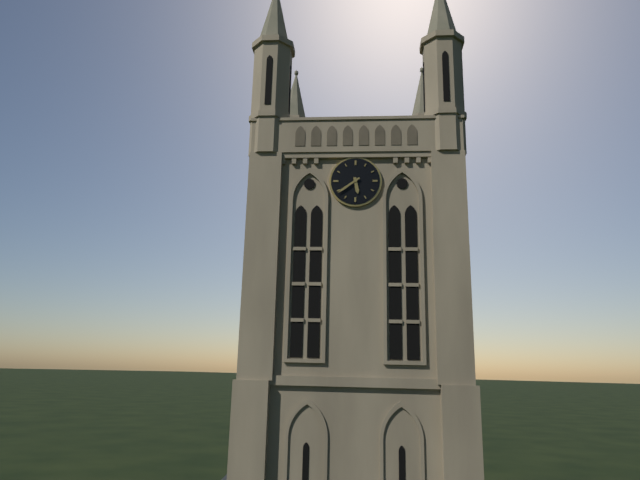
5:39
